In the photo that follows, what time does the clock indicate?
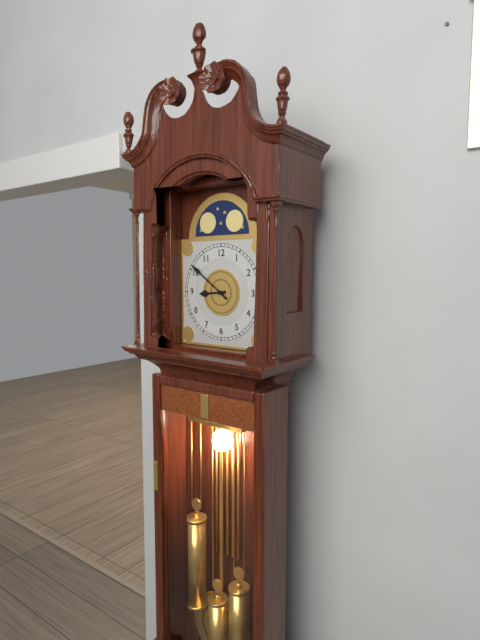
8:51
